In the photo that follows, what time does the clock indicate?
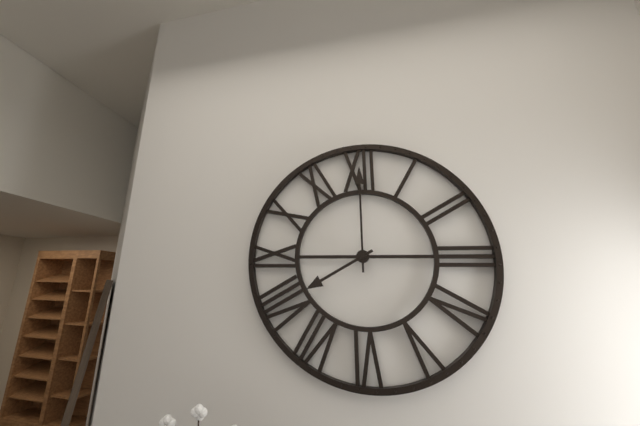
8:00
